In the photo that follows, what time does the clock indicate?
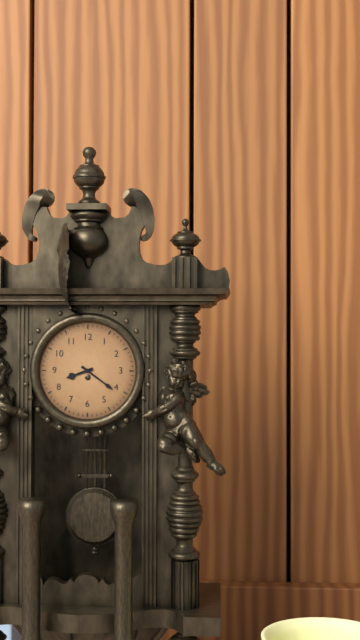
8:21
